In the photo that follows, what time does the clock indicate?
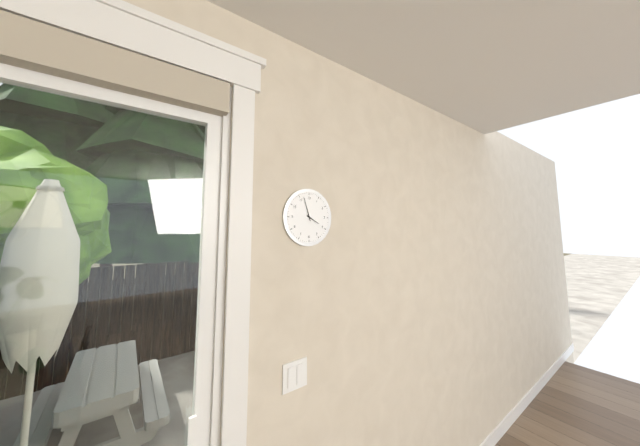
3:57
